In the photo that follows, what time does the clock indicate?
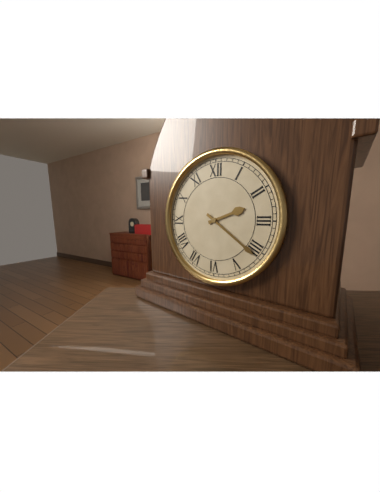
2:21
